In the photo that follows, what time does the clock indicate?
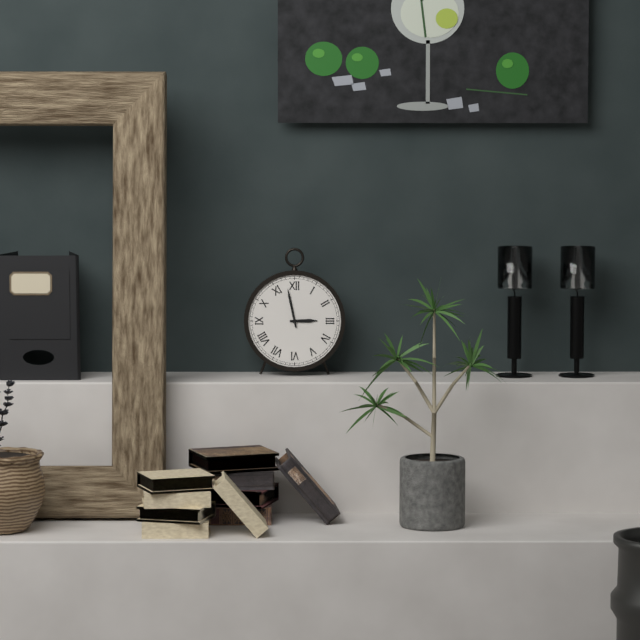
2:58
